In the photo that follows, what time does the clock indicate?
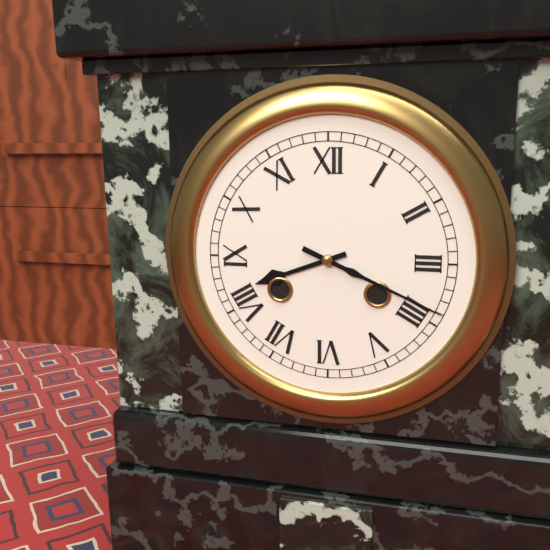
8:19
